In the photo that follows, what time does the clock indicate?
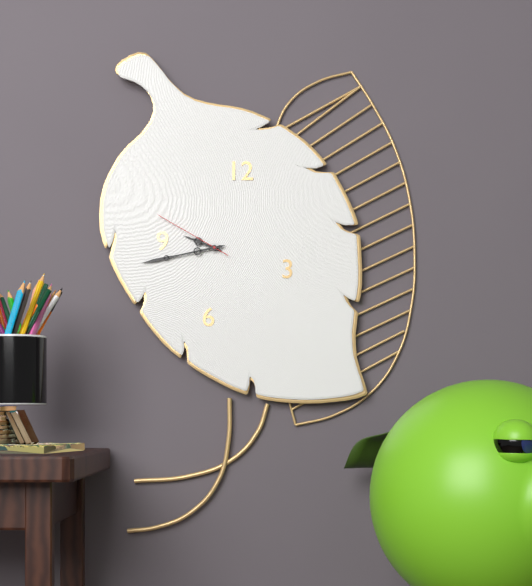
9:43:50
